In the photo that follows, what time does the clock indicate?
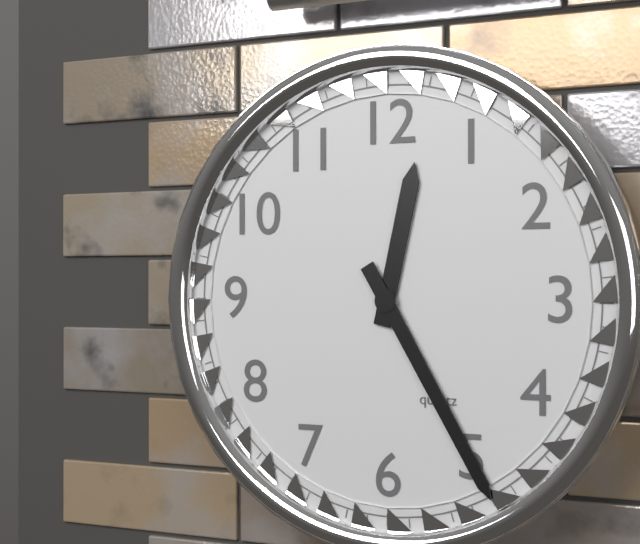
12:25
